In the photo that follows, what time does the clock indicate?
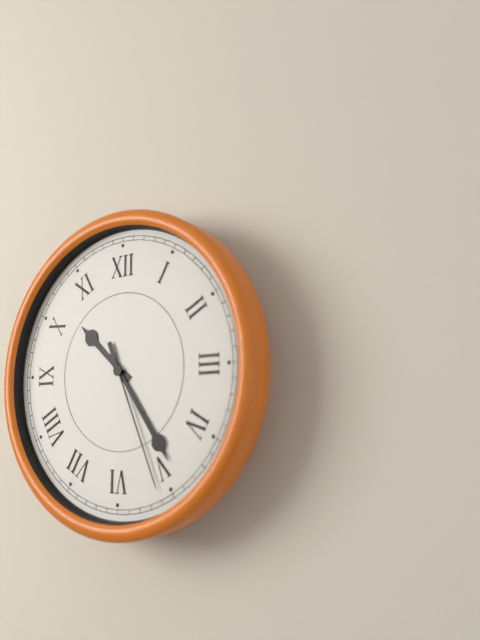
10:24:26
